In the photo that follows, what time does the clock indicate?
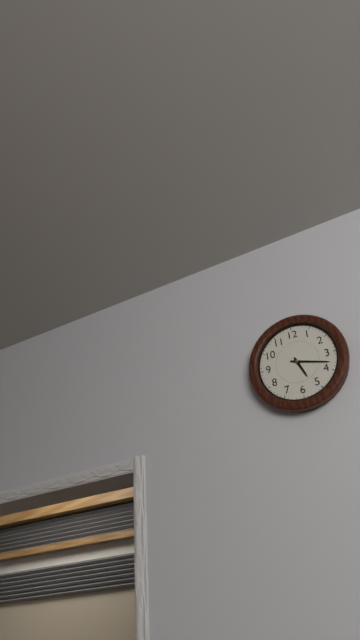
5:18
